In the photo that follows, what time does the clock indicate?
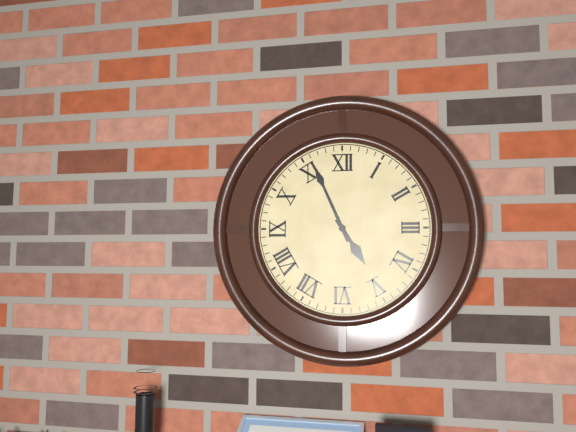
4:56
